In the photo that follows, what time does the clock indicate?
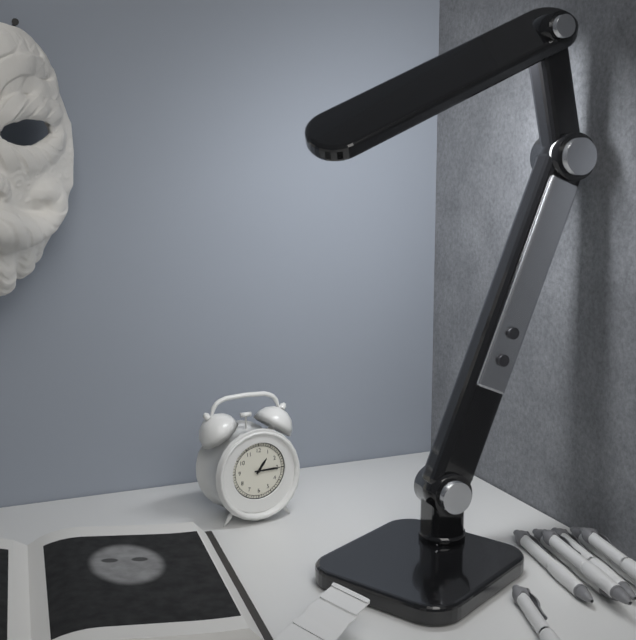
1:15
